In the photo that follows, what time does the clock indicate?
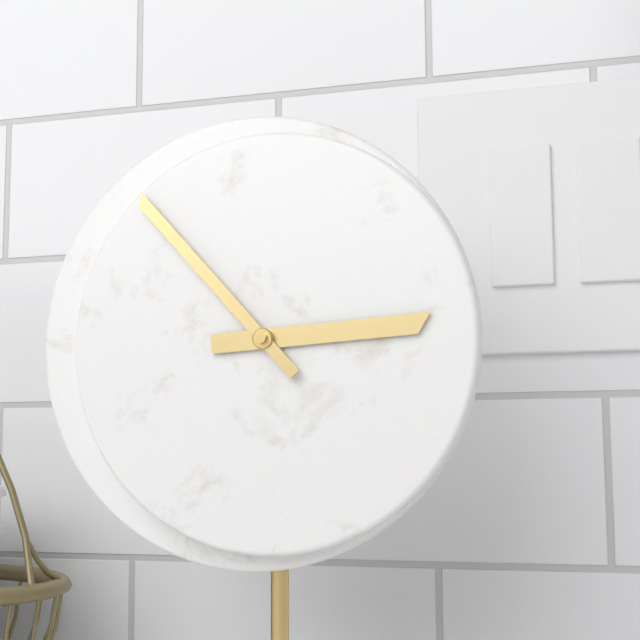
2:53
